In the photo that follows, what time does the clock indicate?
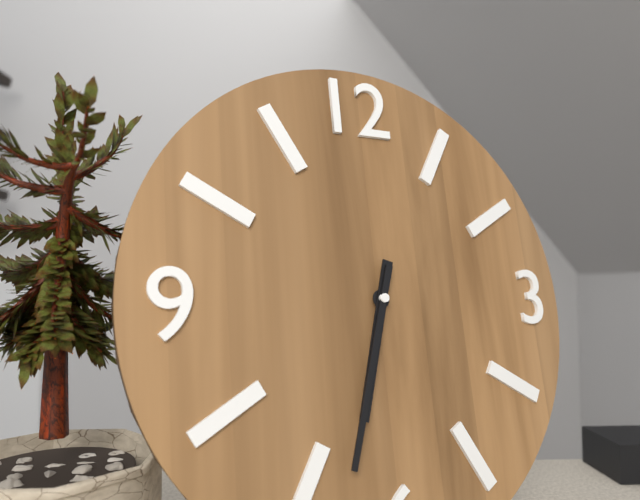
6:33
